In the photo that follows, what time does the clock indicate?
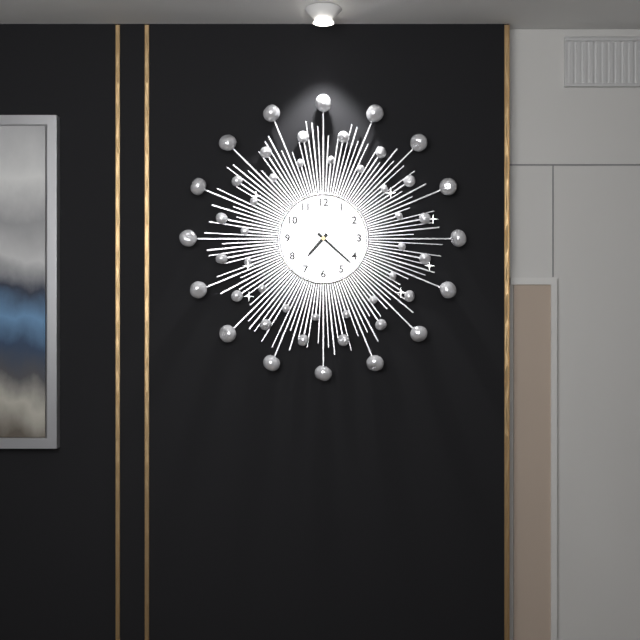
7:22
